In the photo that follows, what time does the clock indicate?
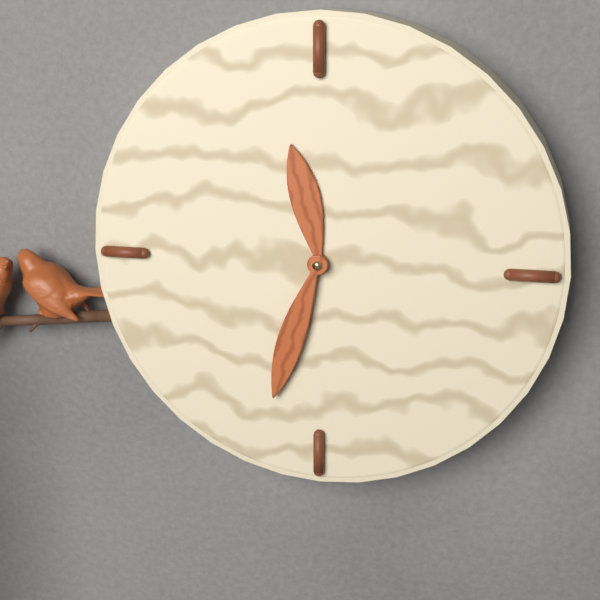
11:33
